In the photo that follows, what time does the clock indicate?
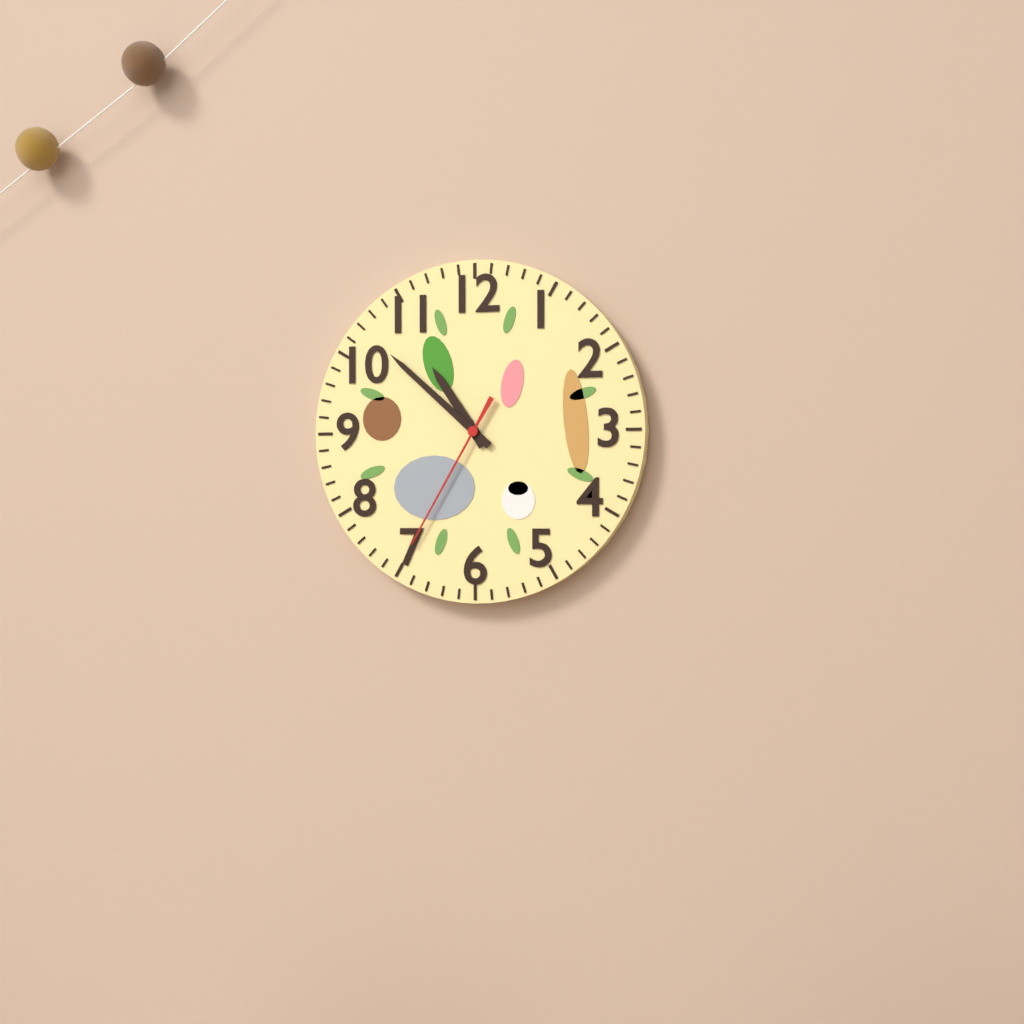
10:52:35
